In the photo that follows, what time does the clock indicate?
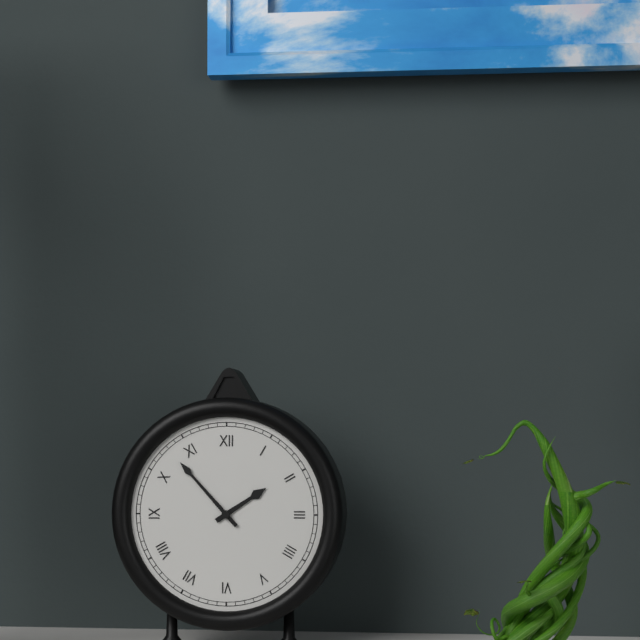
1:53
